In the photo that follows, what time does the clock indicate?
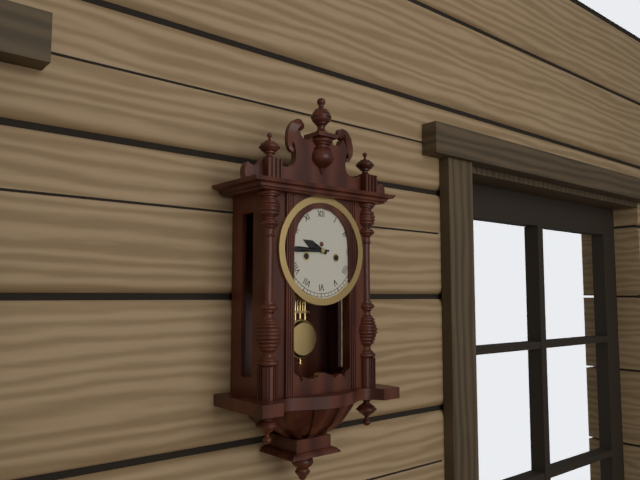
9:45
